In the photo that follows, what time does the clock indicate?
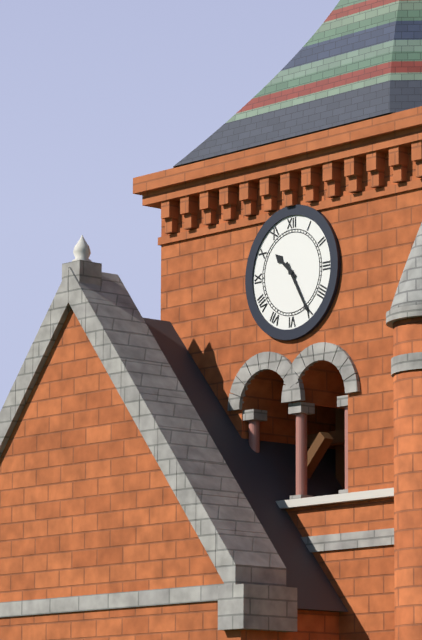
10:25
